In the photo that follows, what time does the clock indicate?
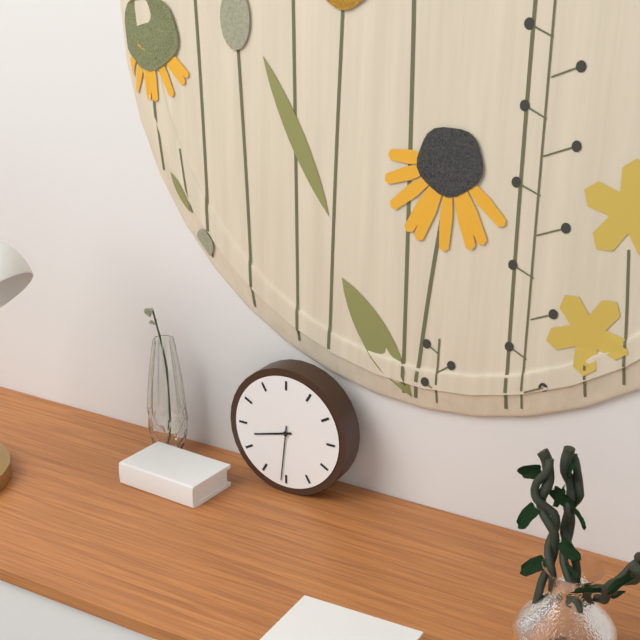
8:31
